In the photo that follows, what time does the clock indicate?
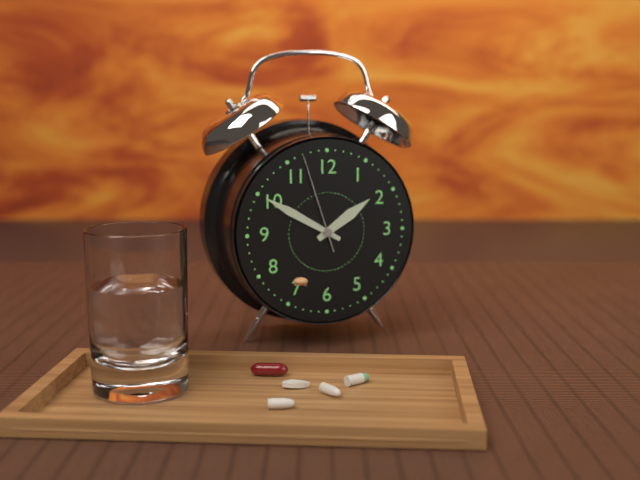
1:50:57
